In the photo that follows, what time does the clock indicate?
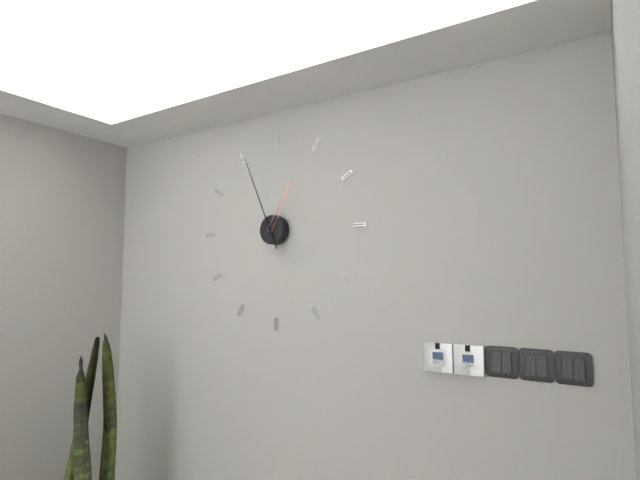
12:56
